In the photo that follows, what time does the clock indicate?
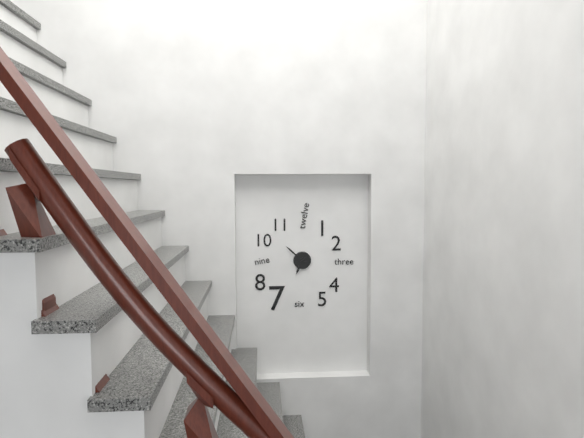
6:52
